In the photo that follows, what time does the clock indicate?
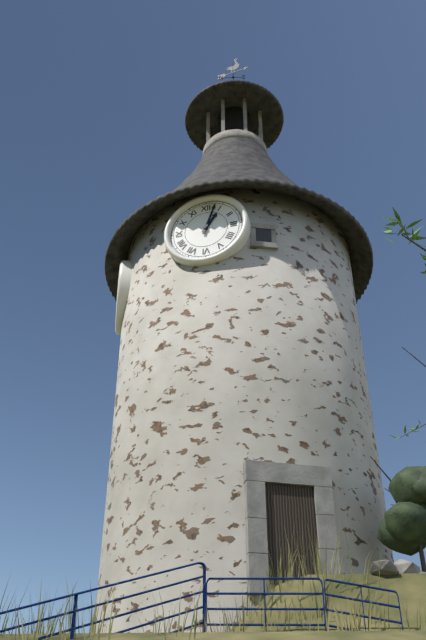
1:03
